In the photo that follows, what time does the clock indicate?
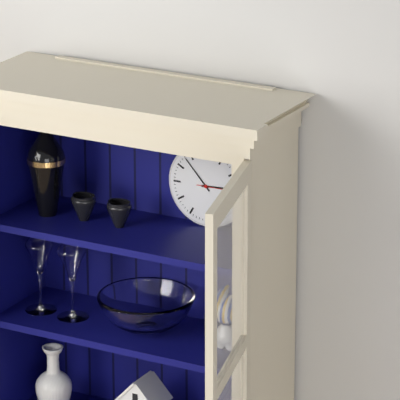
2:53
